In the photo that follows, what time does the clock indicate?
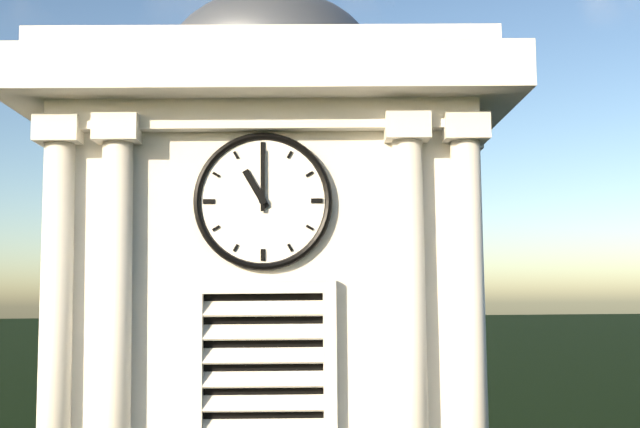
11:00
